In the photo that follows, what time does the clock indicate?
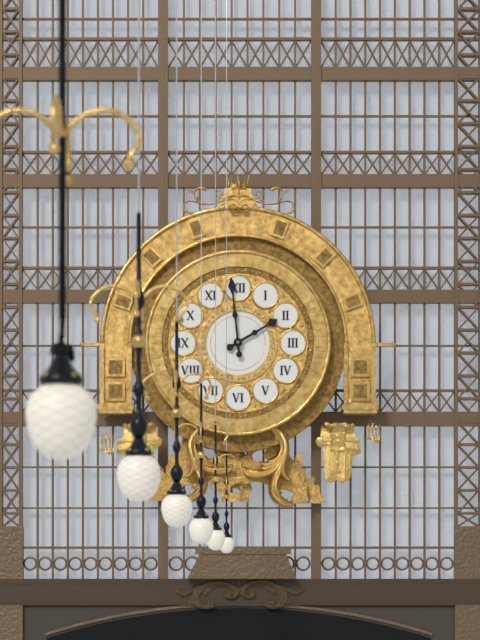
1:59
